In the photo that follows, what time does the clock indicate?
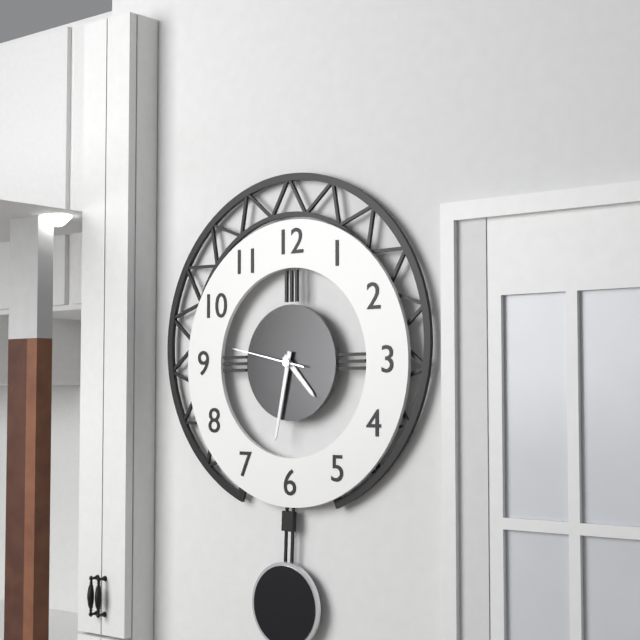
4:32:47
